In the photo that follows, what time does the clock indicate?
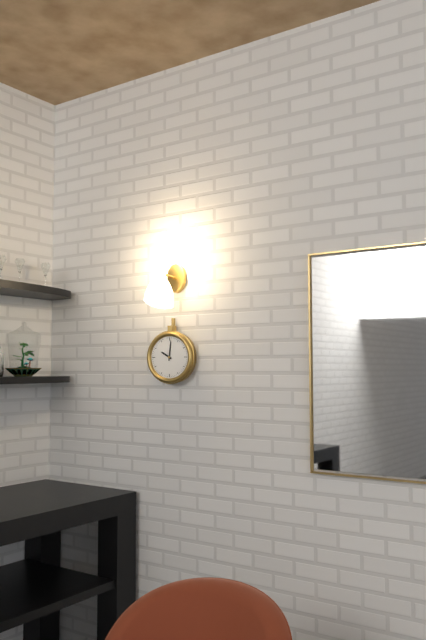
10:01
